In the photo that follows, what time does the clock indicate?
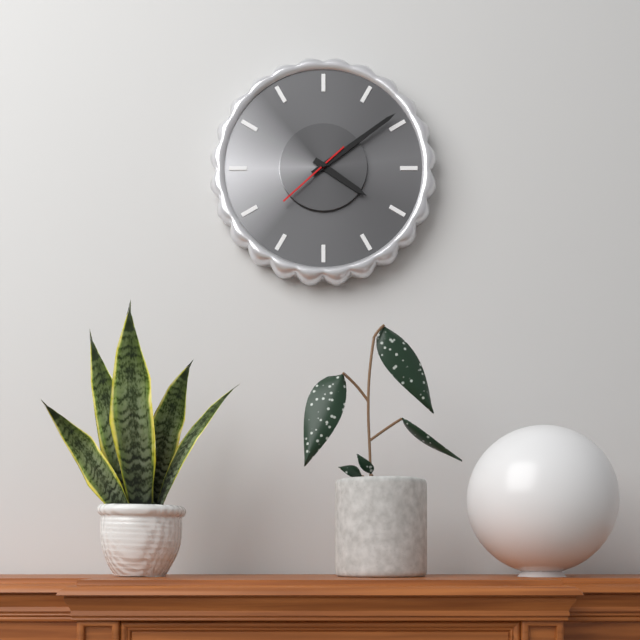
4:09:38
